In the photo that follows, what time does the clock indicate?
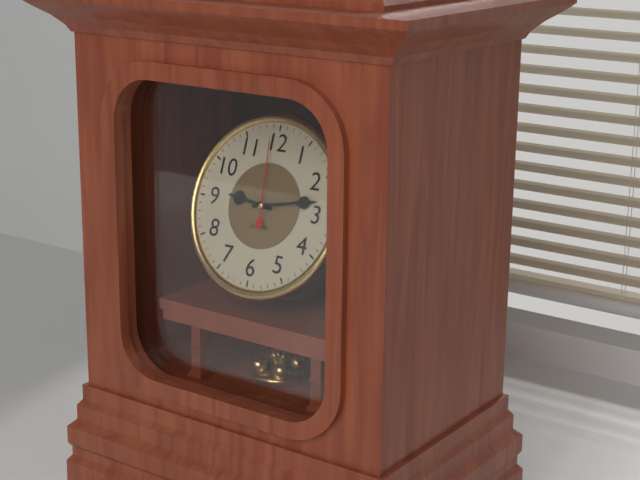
9:13:59
